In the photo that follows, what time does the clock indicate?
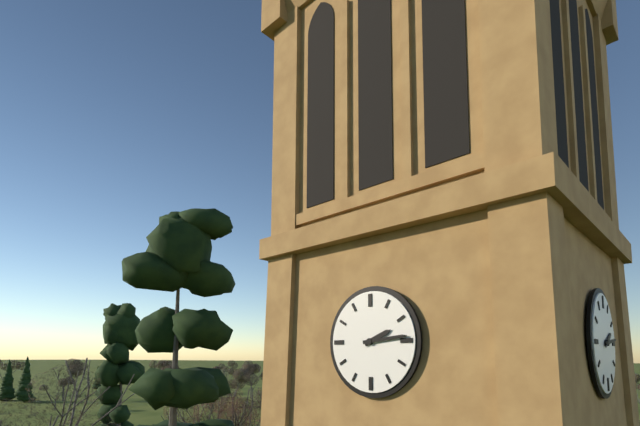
2:14
